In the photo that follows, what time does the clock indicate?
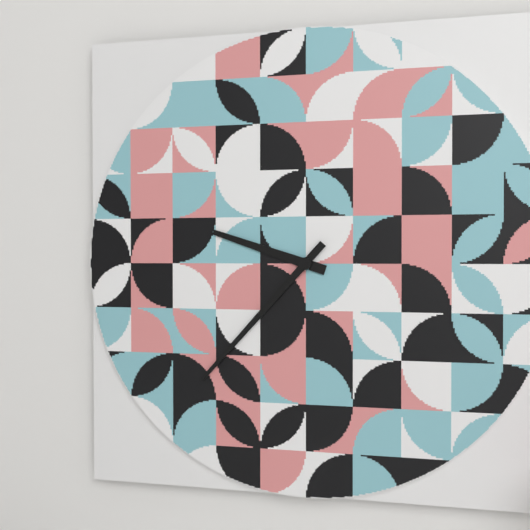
9:37
